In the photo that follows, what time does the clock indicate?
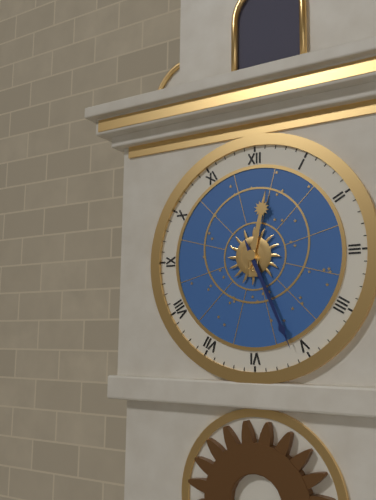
12:26
